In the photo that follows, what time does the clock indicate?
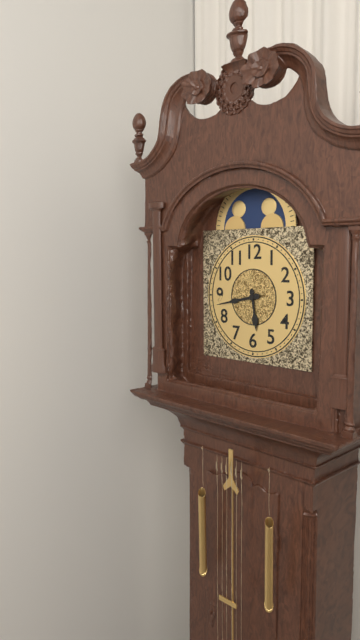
5:43
